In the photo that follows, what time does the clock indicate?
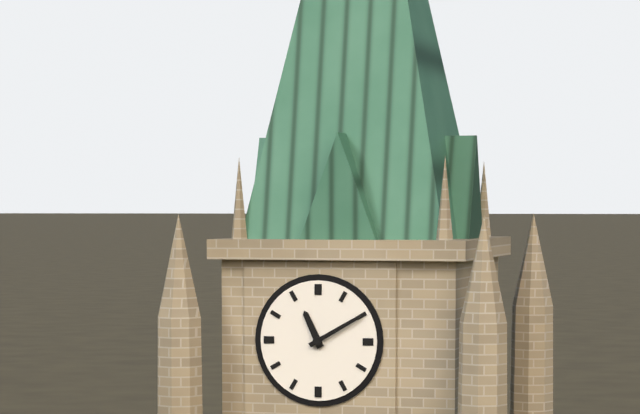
11:10
